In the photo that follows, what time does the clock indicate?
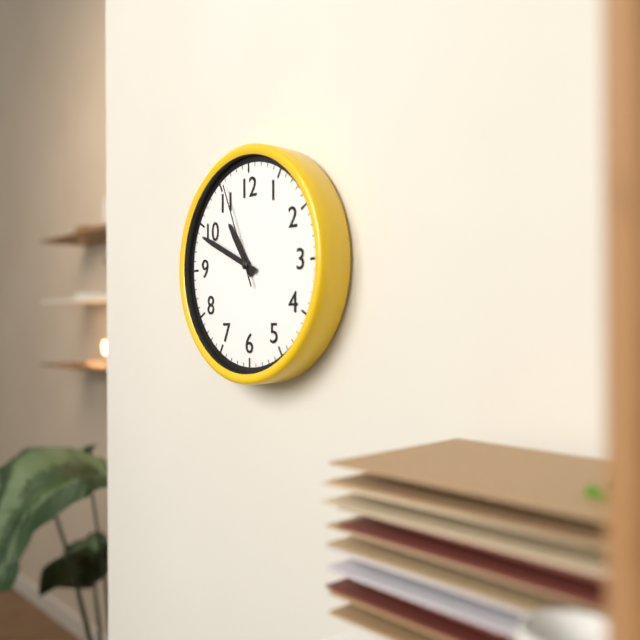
10:49:56
